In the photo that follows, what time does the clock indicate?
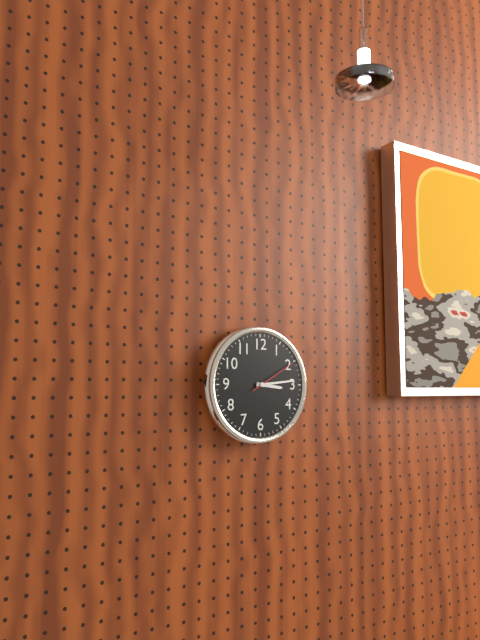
3:14
